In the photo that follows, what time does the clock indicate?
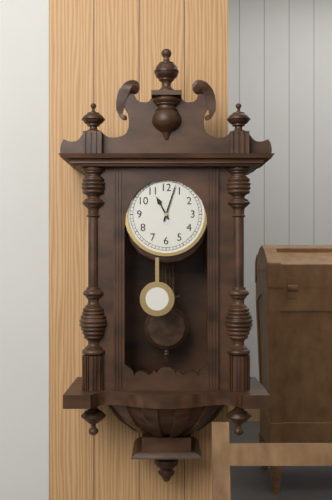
11:03
